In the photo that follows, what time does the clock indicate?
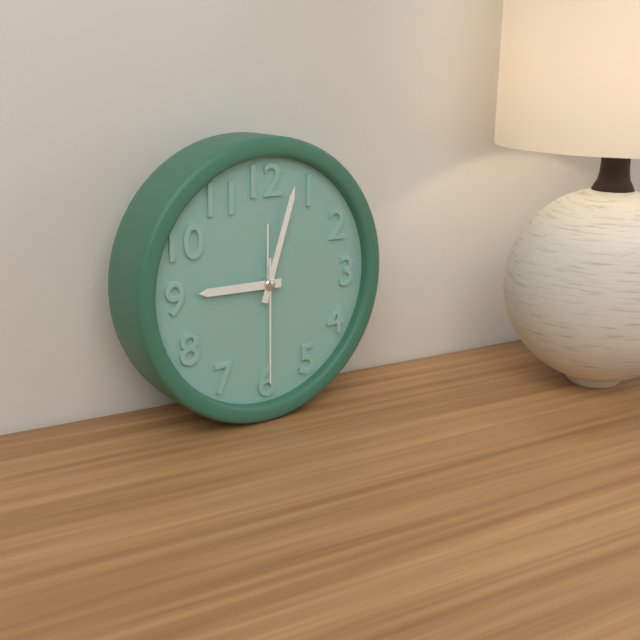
9:03:30
